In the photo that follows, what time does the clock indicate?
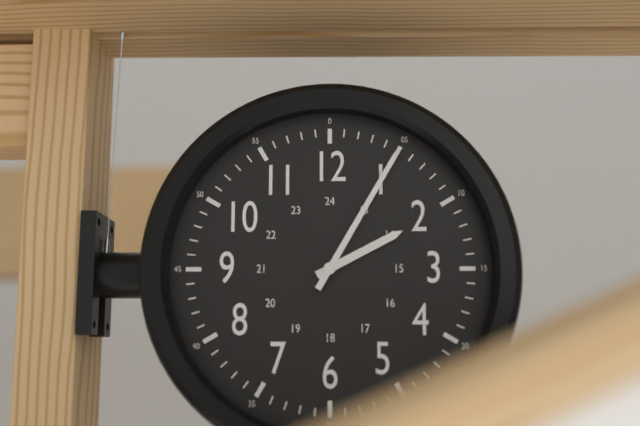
2:05
